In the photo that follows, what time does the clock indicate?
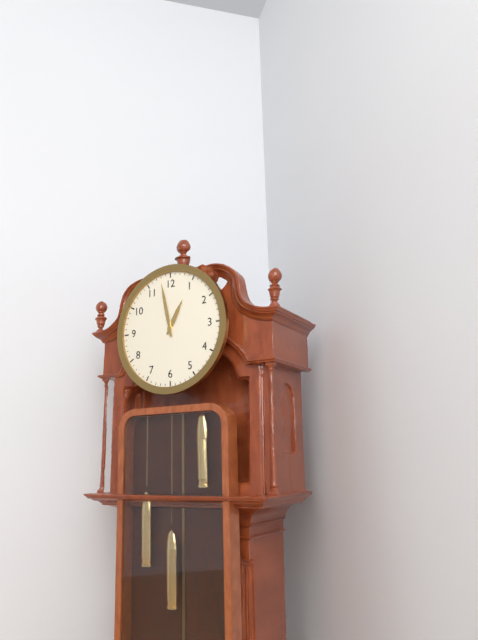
12:58
